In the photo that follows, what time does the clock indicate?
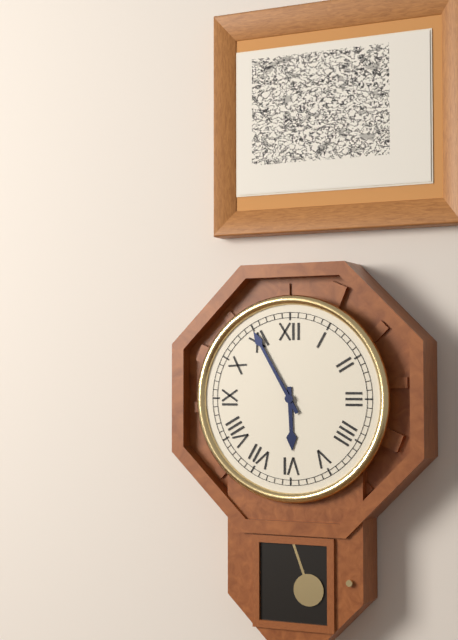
5:55
